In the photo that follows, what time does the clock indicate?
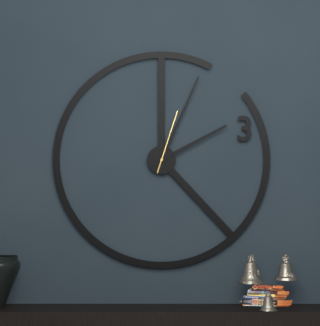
2:04:03
